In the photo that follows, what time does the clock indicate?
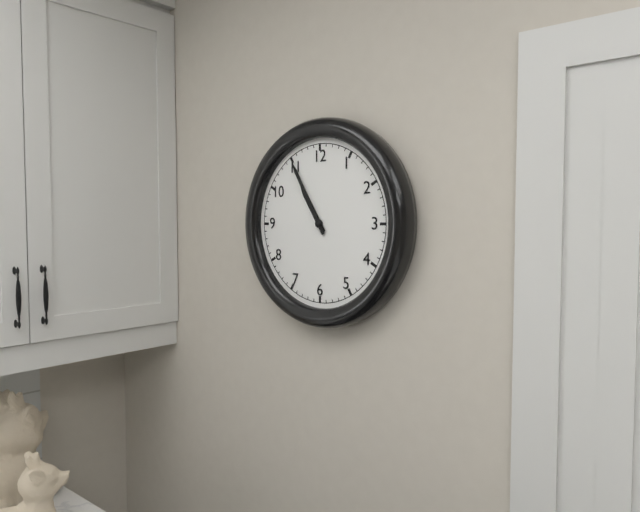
10:55
